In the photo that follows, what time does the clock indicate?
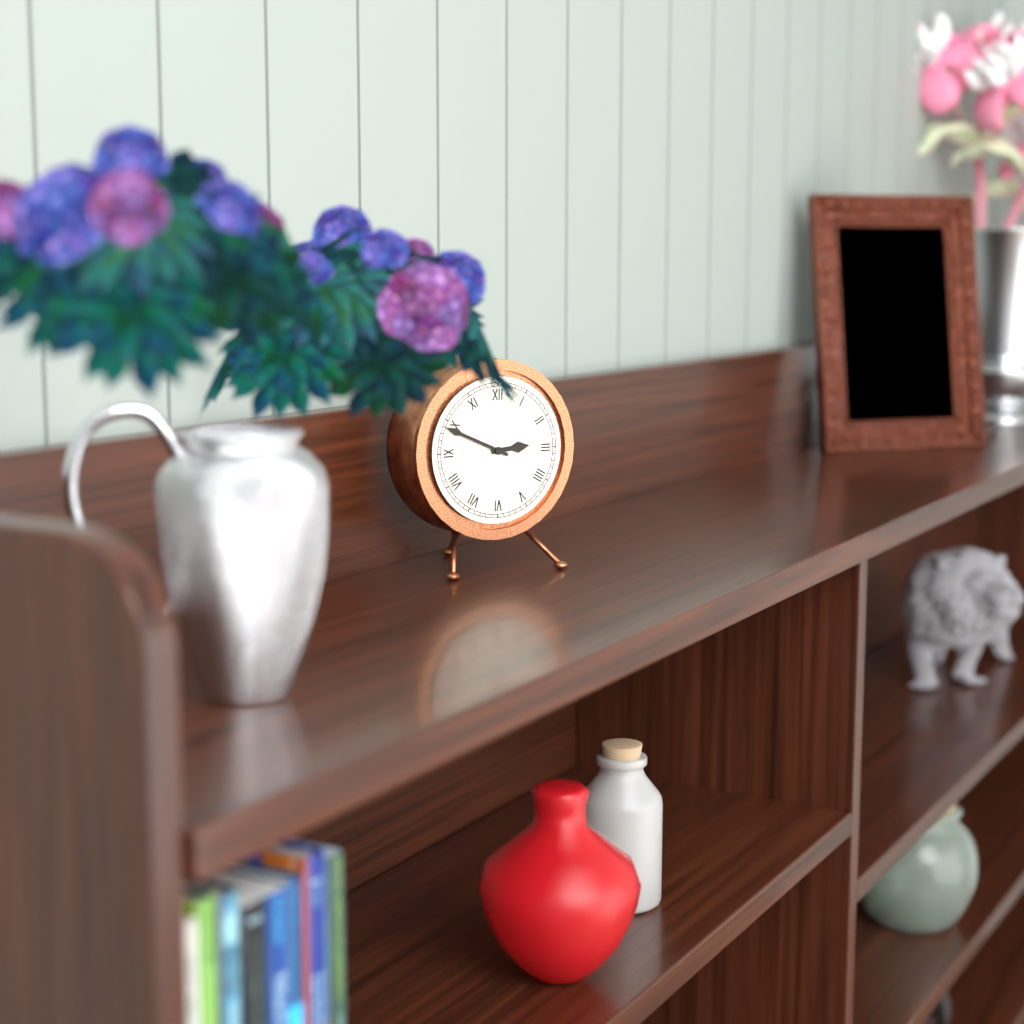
2:49
